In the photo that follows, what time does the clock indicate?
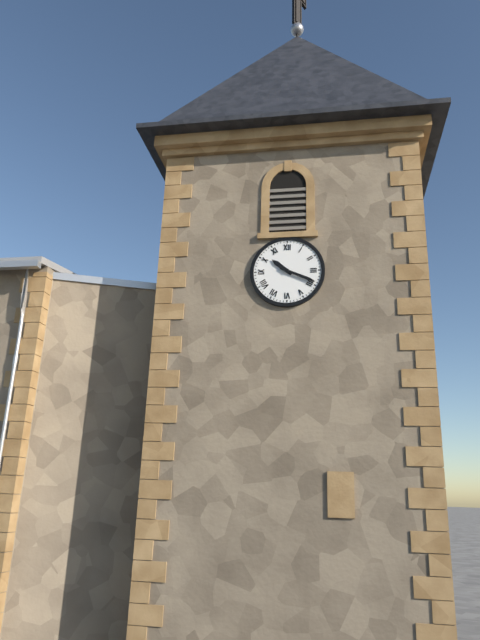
10:19
